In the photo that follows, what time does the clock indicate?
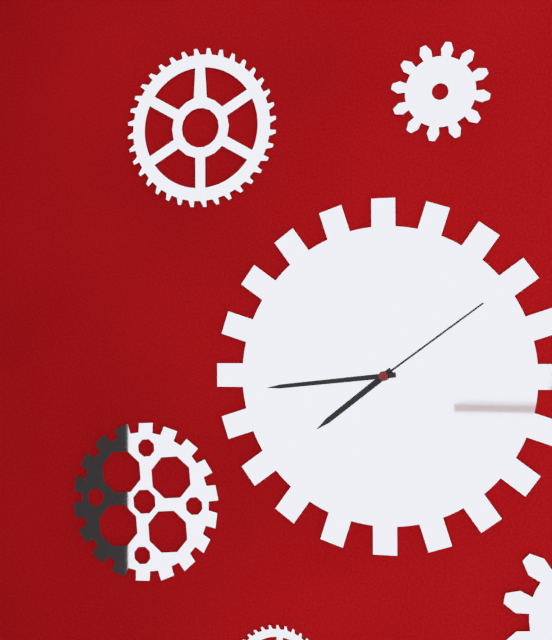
7:44:09
